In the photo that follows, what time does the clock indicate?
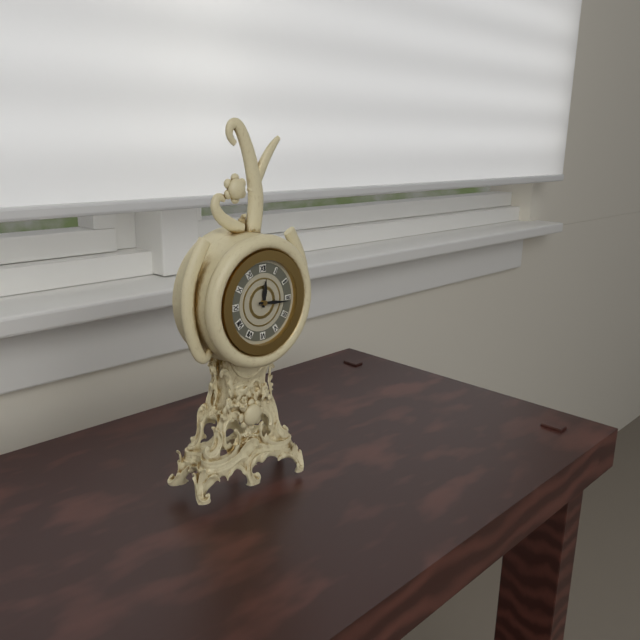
12:16
